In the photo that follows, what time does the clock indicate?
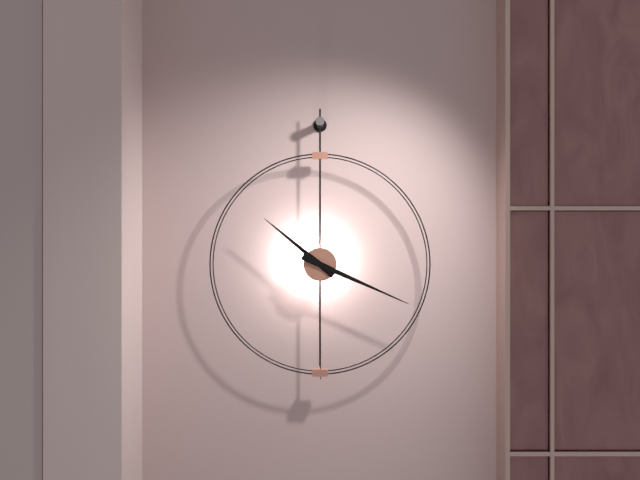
10:19
